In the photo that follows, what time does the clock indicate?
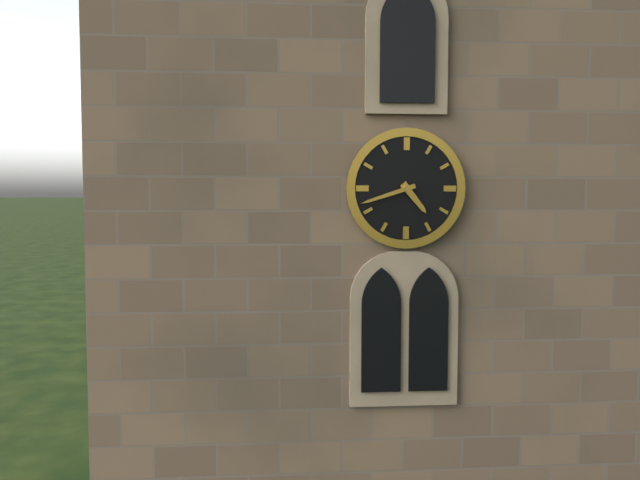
4:42
